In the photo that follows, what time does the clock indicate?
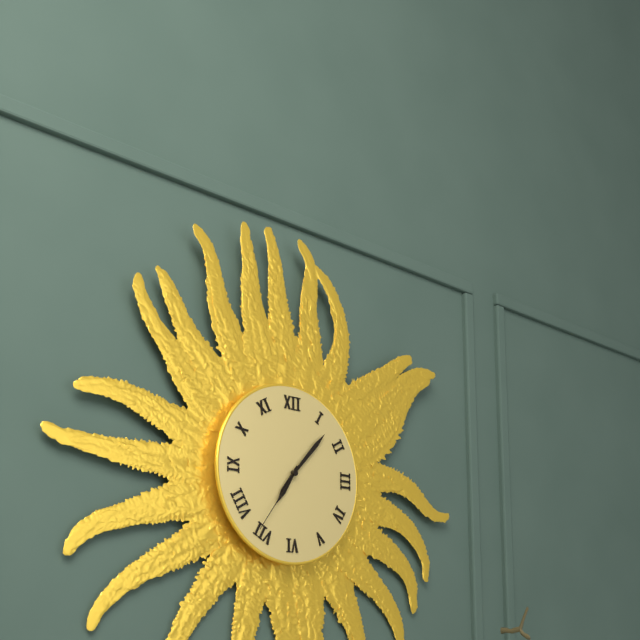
7:07:36
